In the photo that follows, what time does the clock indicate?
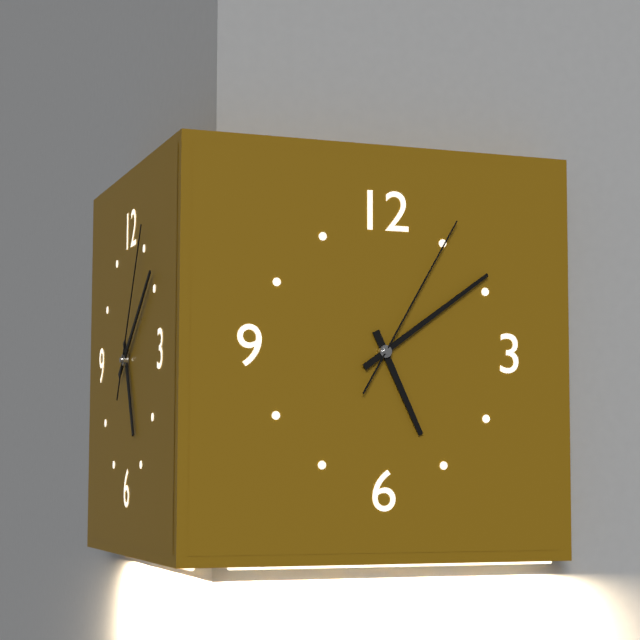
5:09:05
